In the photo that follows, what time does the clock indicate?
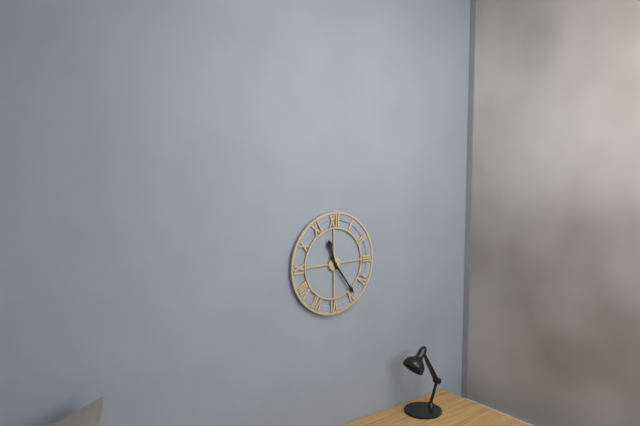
11:24
